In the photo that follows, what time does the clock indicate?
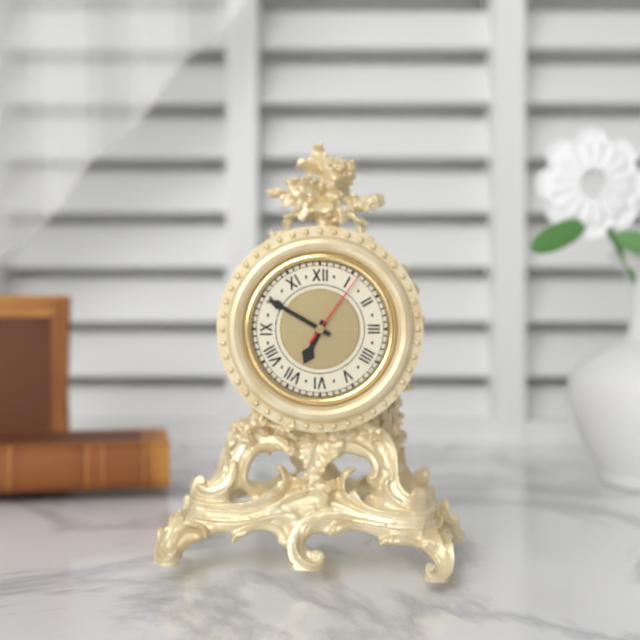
6:50:06
